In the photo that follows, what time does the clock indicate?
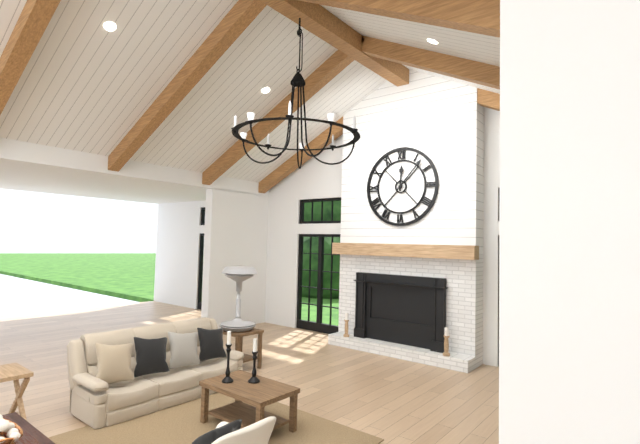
12:07
